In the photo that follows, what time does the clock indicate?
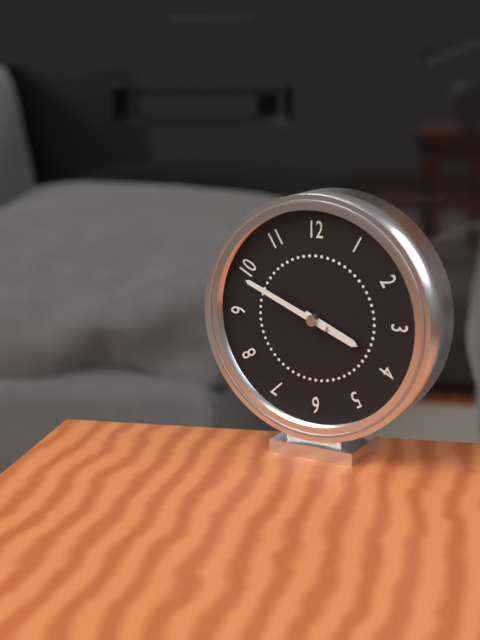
3:49
